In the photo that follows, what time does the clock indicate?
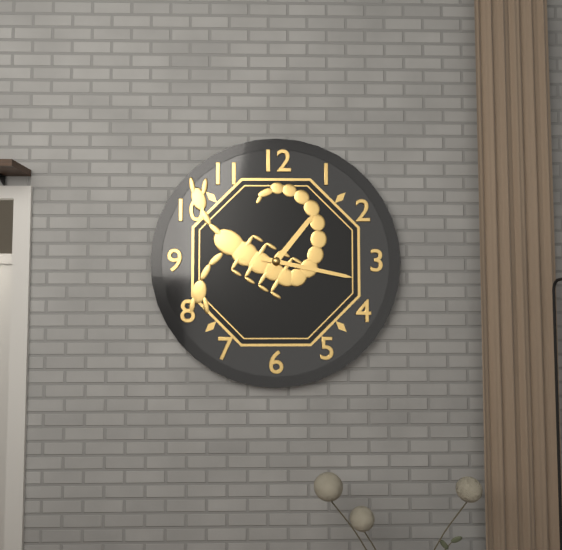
1:17
